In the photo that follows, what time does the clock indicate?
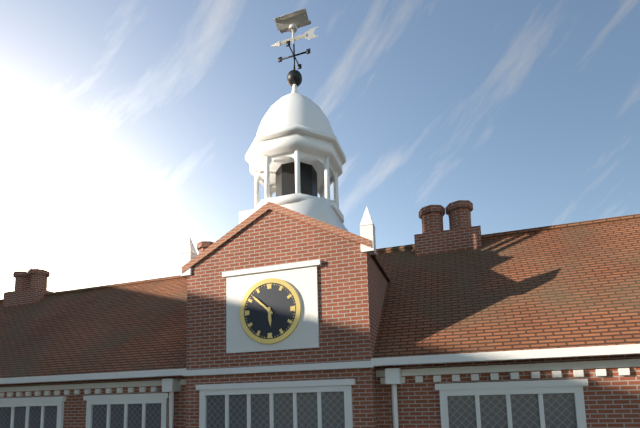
5:52
